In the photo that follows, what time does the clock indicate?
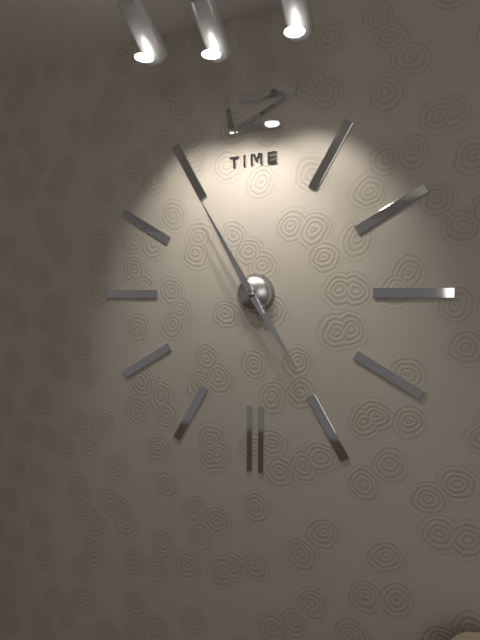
4:55
